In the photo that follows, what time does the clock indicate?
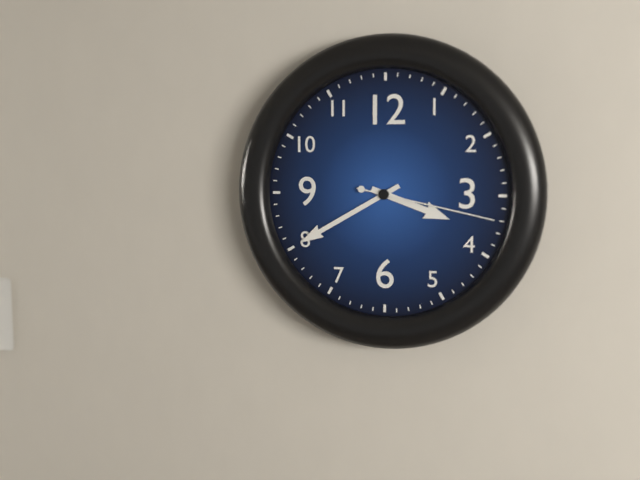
3:40:17
